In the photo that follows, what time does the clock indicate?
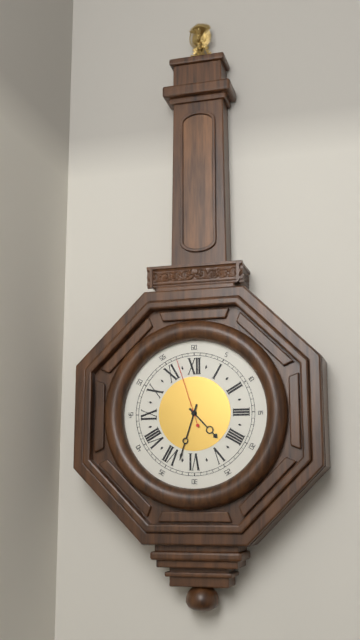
4:33:57
